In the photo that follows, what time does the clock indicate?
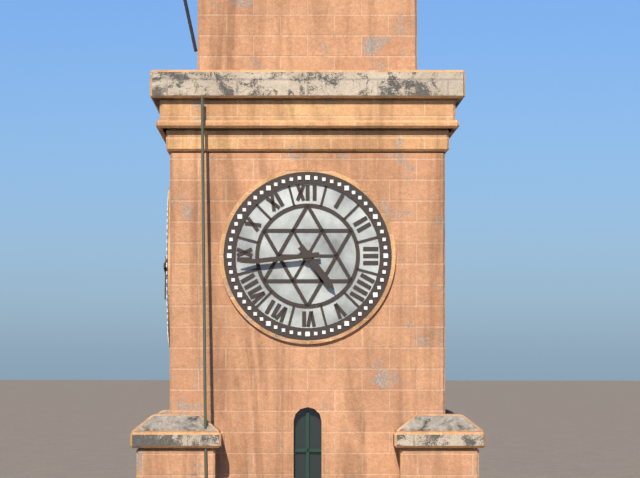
4:44
